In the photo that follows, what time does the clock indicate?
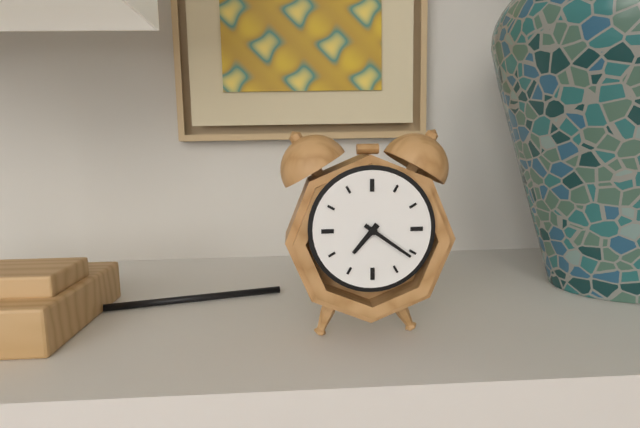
7:21
